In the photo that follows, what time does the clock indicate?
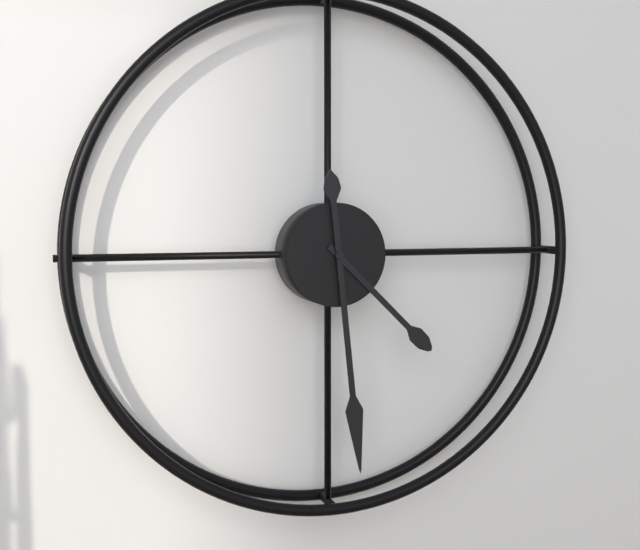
4:29
